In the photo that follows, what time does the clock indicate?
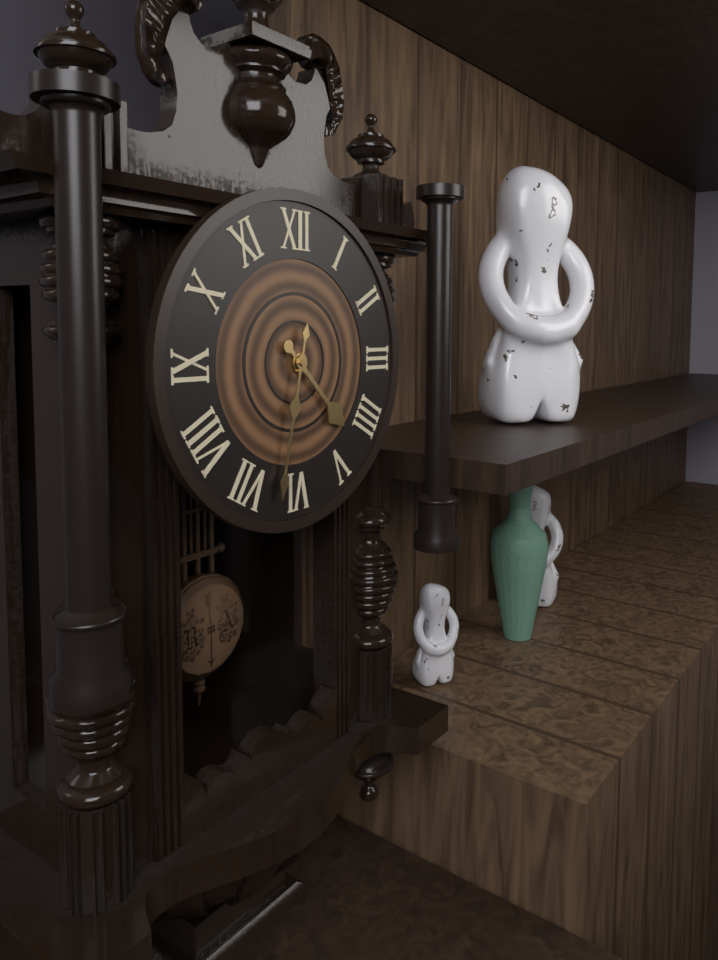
4:32
